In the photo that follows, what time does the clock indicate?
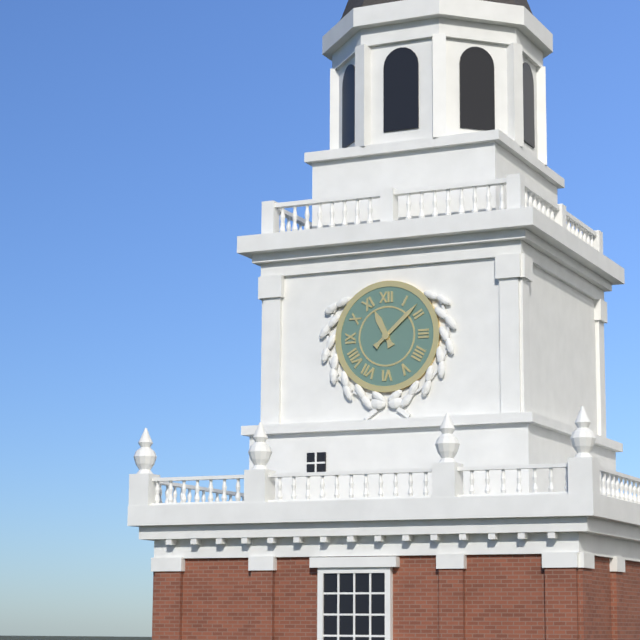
11:08
